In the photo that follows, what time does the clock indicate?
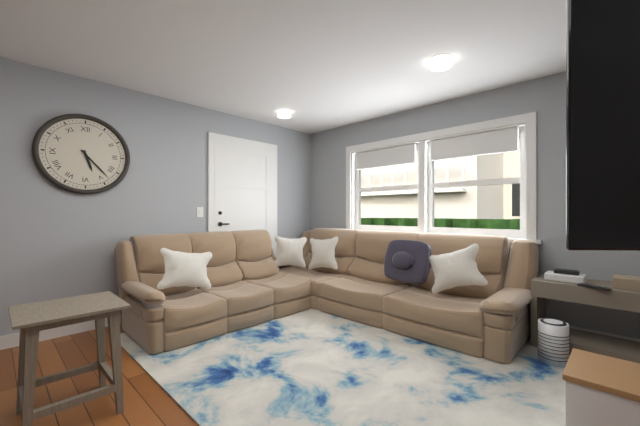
5:23
